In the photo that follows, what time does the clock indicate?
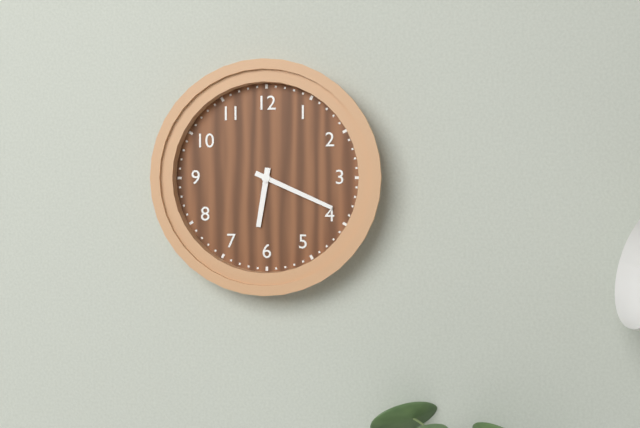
6:19
